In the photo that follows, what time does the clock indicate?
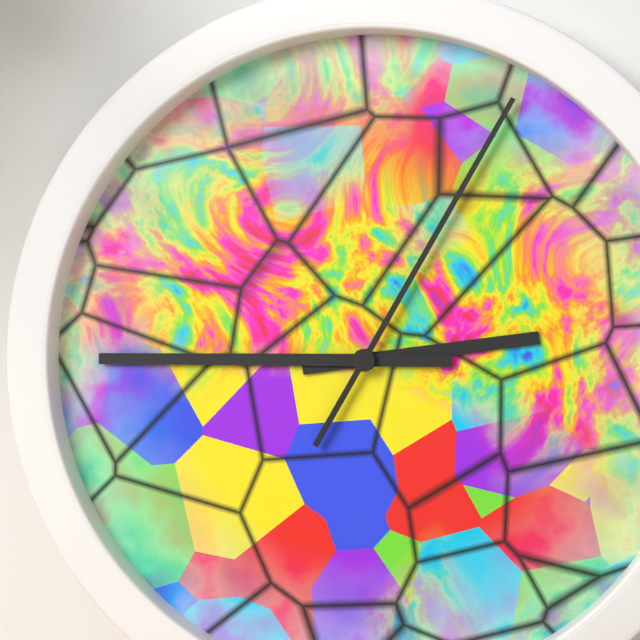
2:45:05
